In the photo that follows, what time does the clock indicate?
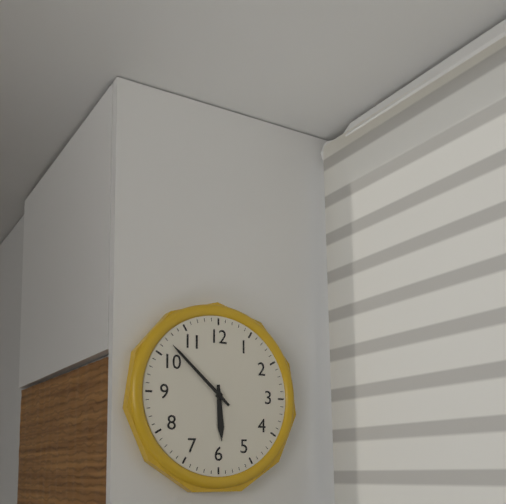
5:52
